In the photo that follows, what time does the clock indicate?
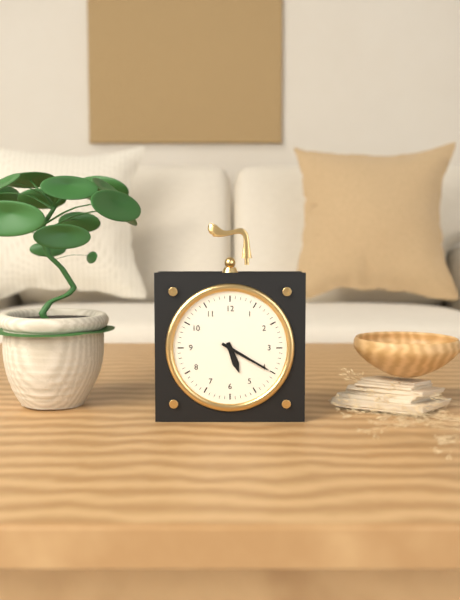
5:20
